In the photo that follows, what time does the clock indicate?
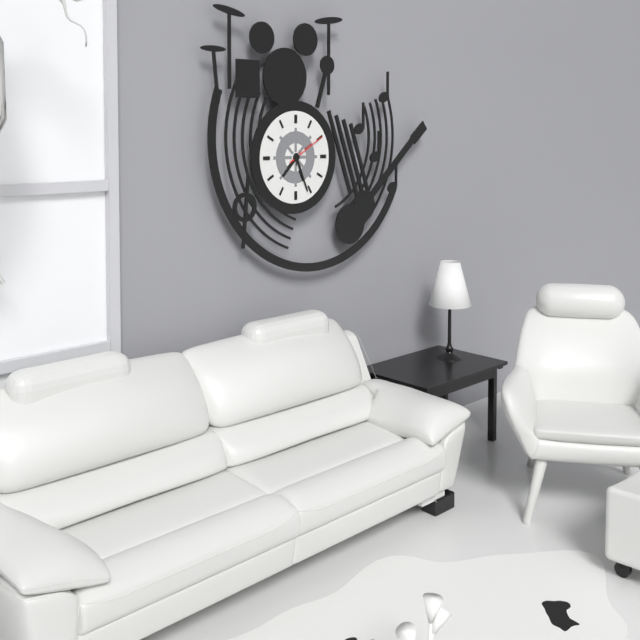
7:26:10
